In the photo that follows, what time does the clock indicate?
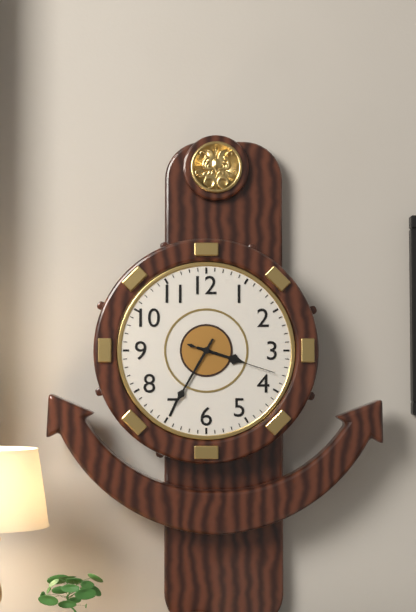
3:35:18
